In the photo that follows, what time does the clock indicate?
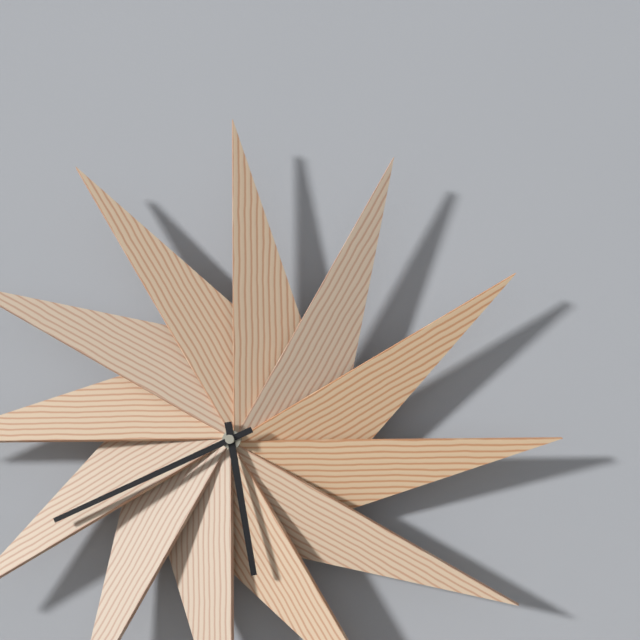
5:41
